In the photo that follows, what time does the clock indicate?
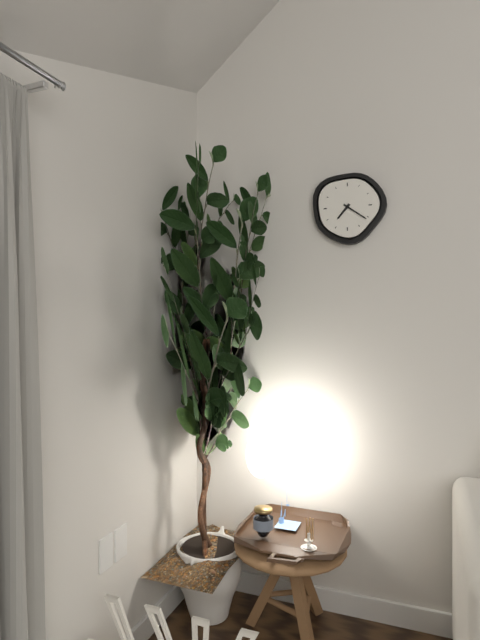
7:21
